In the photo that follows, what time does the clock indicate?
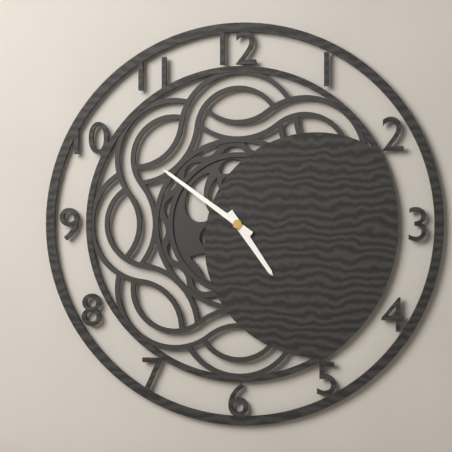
4:51
